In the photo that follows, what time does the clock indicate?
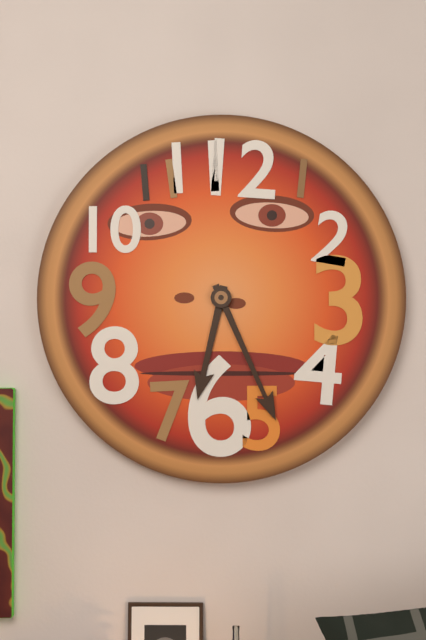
6:26
